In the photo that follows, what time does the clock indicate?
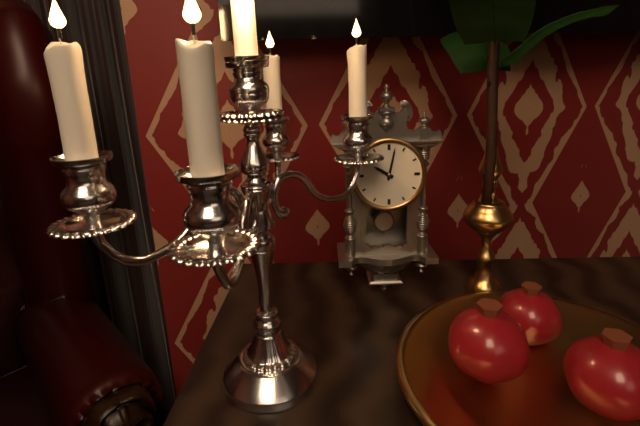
10:02
